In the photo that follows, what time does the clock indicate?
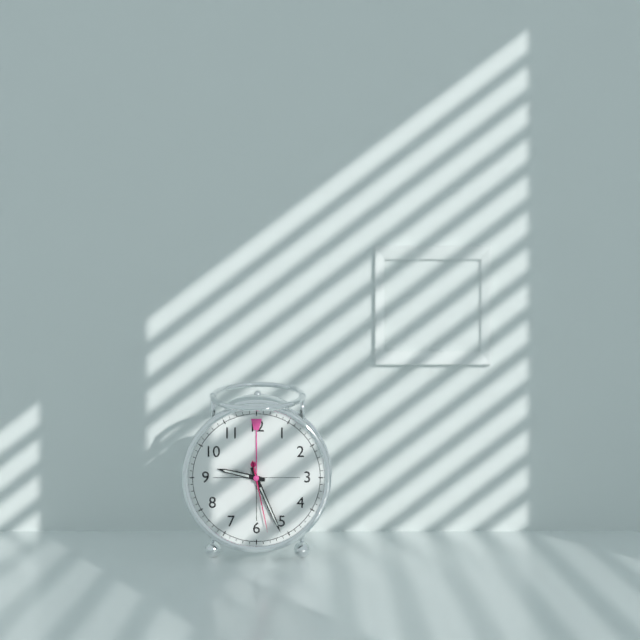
9:26:28
